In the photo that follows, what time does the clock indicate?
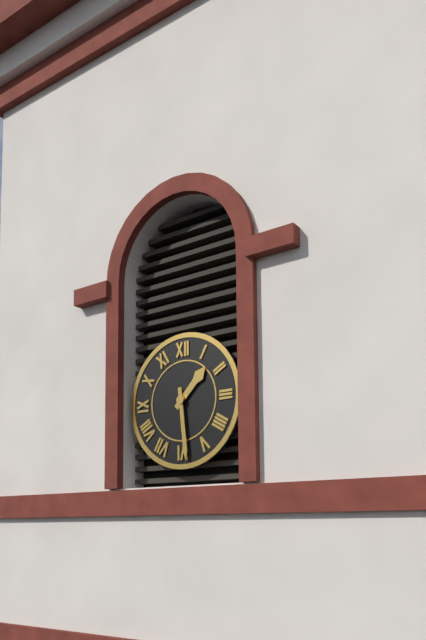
1:29
